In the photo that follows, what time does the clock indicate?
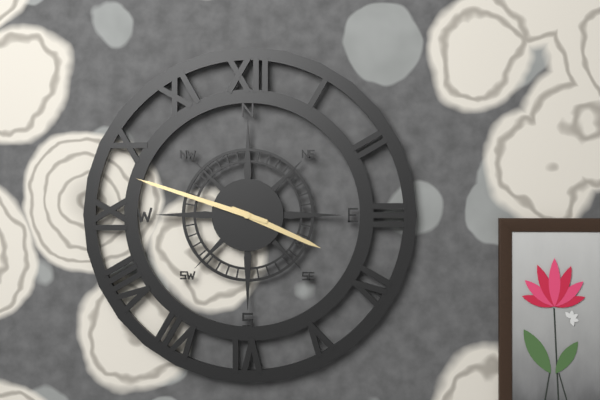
3:48
